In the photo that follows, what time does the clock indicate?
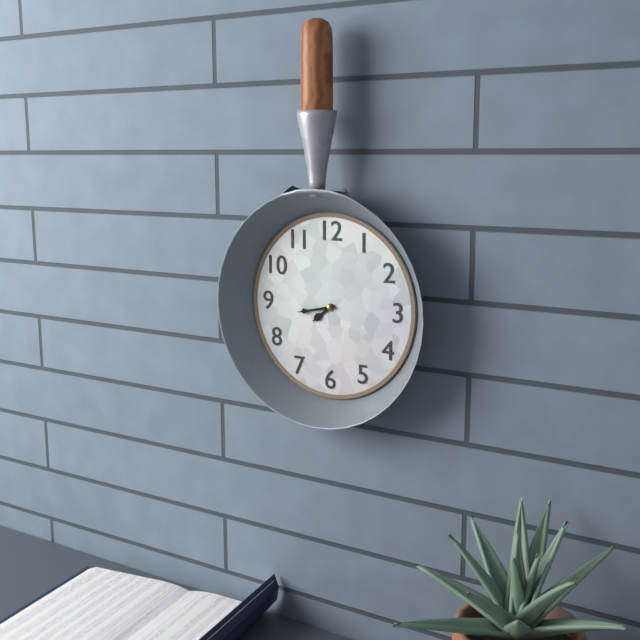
7:43
